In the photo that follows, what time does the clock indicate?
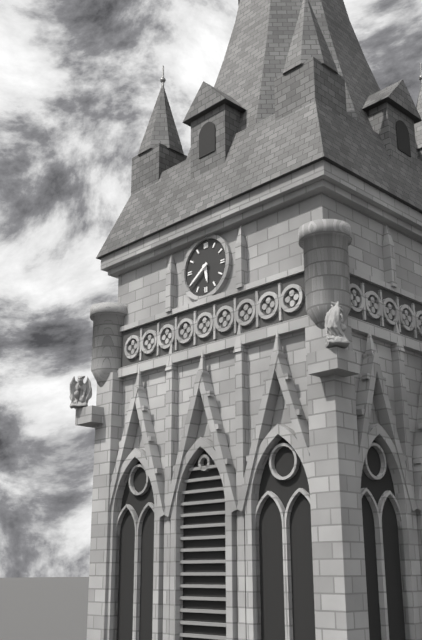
5:39
